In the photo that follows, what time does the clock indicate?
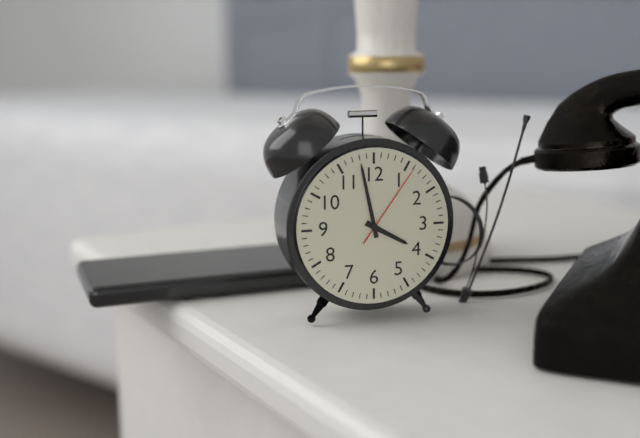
3:58:06
